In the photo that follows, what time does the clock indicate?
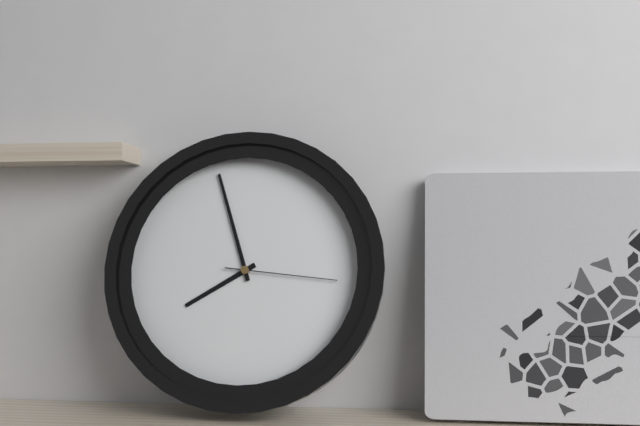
7:57:16
